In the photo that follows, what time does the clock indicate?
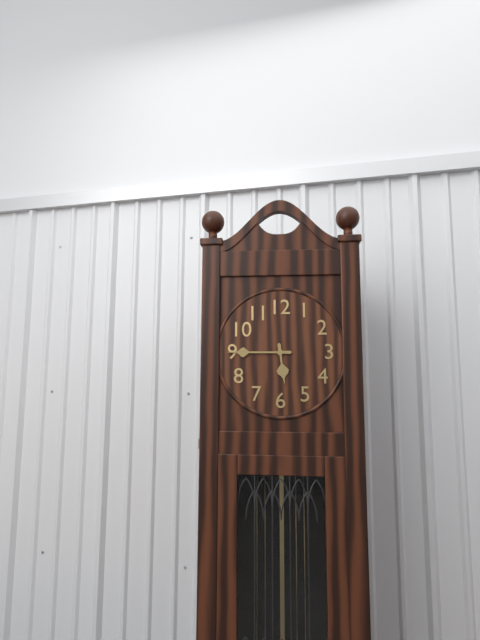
5:45
